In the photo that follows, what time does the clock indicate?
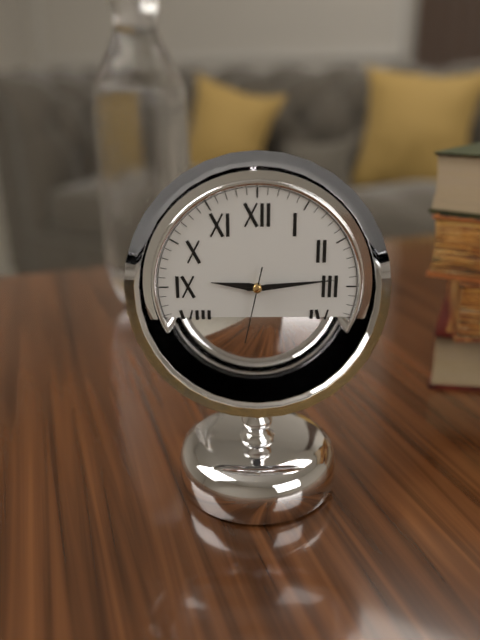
9:14
